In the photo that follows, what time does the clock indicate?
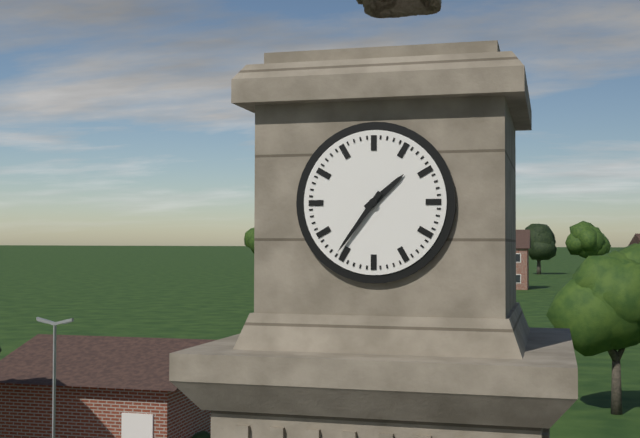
1:36
